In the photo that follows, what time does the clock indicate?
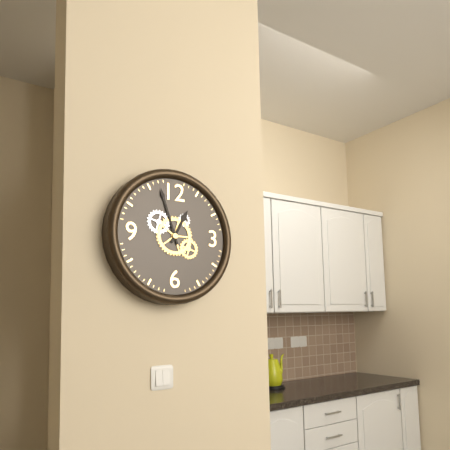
12:57
